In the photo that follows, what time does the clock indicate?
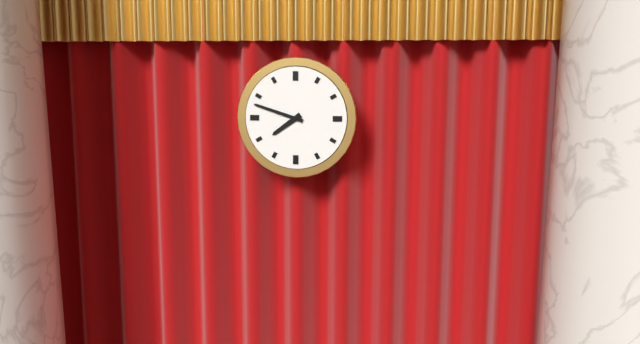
7:48
